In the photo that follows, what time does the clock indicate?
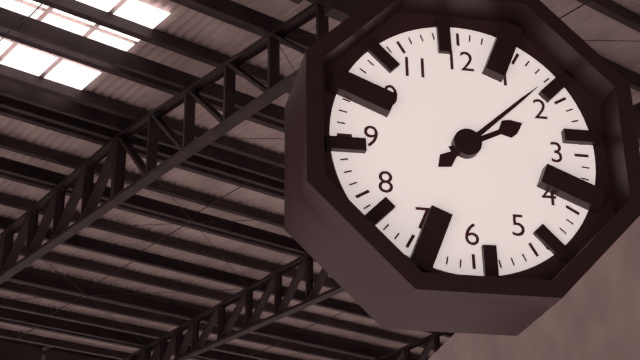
2:08
